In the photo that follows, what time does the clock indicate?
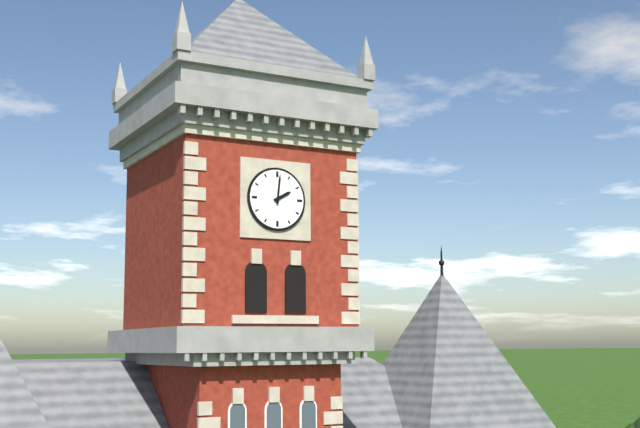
2:01
